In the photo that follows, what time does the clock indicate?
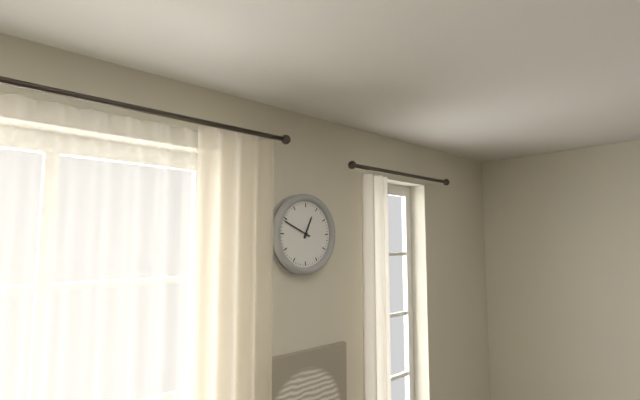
12:49
